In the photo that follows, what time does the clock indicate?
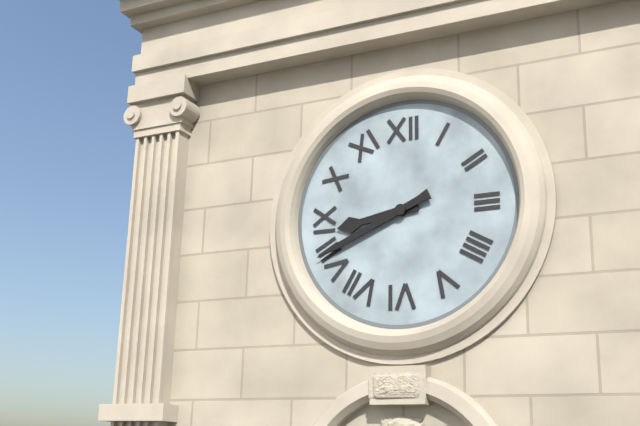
8:41
